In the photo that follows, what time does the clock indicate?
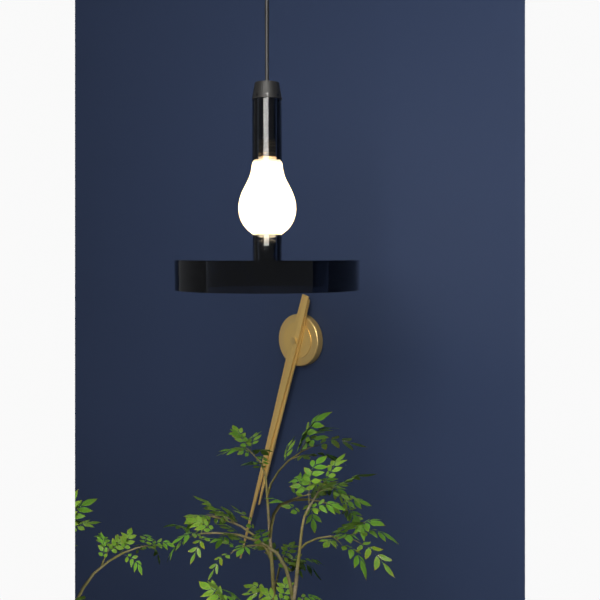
6:33
